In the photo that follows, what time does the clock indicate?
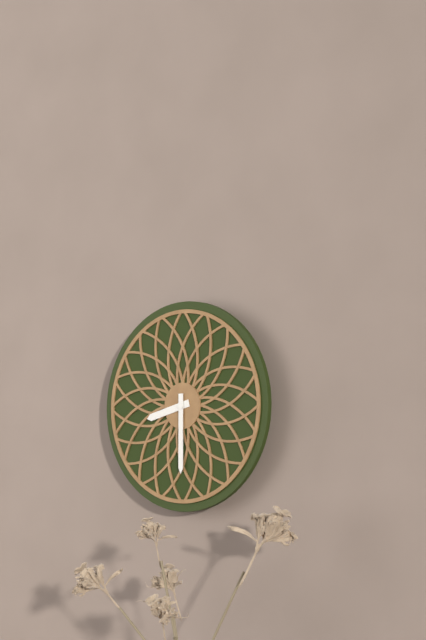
8:30
